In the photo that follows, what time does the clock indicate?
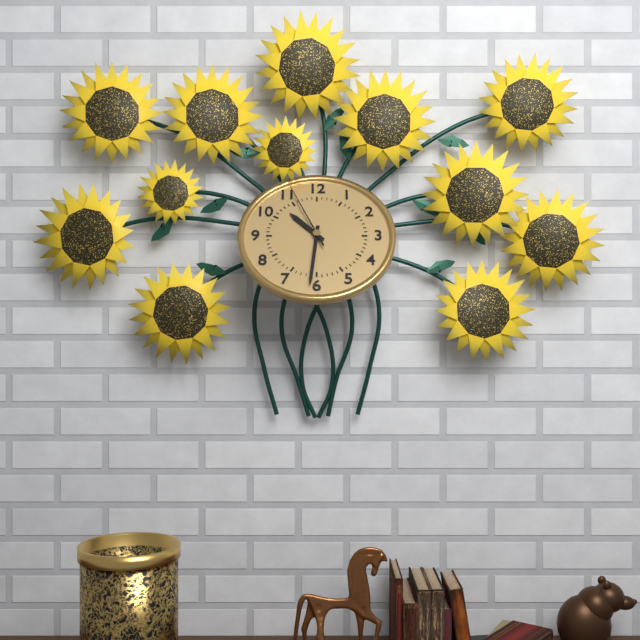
10:31:56
